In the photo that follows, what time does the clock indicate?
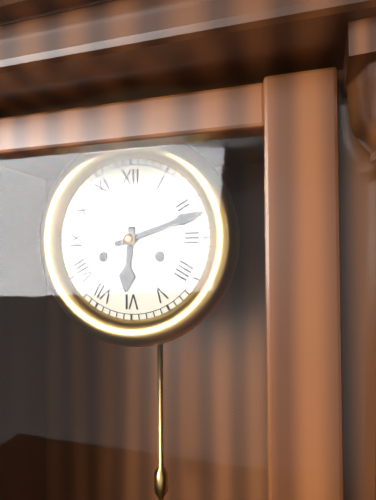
6:12
